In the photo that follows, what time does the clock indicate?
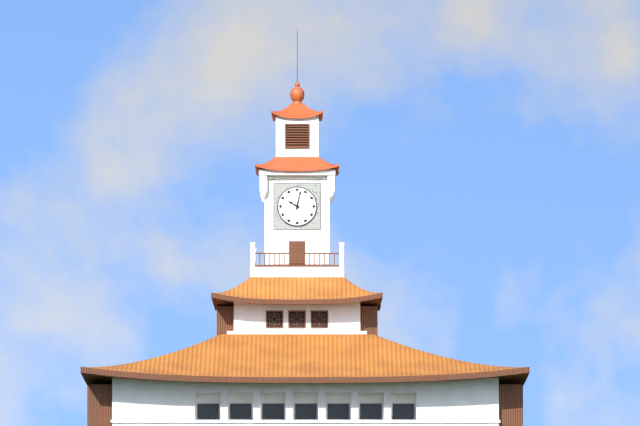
10:02
